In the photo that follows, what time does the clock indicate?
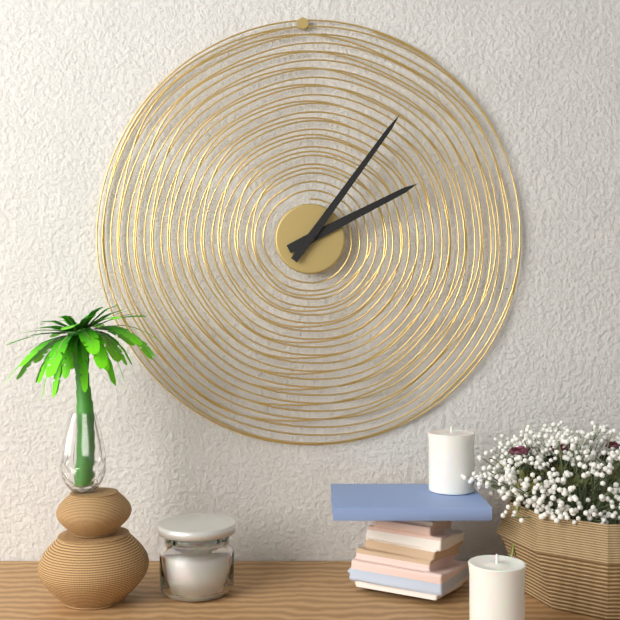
2:06
